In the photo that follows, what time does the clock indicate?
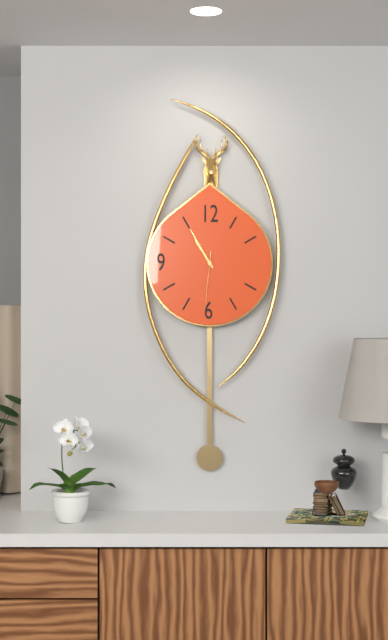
10:55:31
